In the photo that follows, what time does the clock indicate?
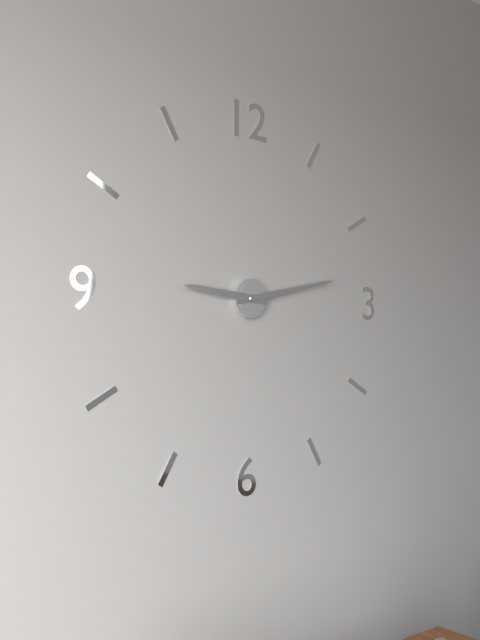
9:13
